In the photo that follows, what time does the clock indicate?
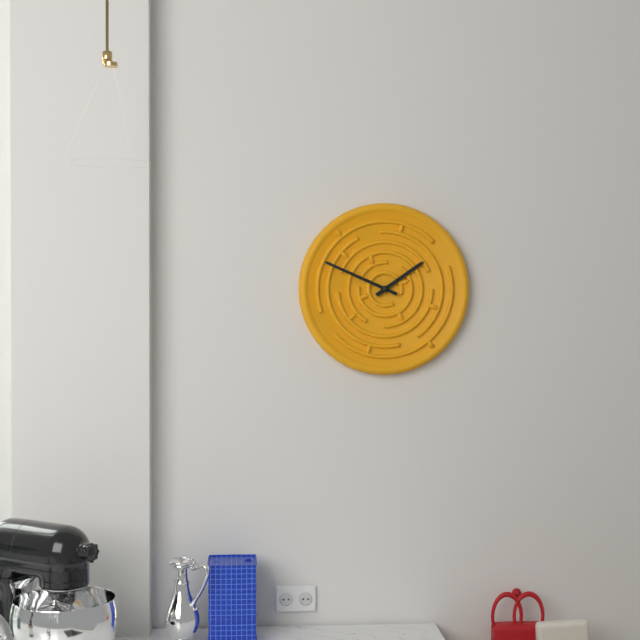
1:49
